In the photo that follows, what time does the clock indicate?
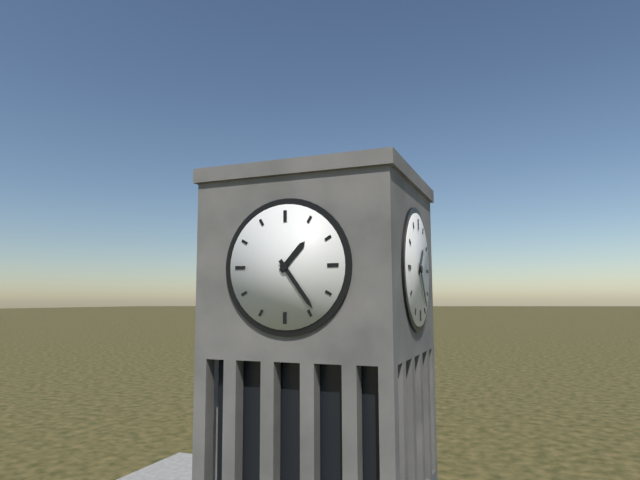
1:24
